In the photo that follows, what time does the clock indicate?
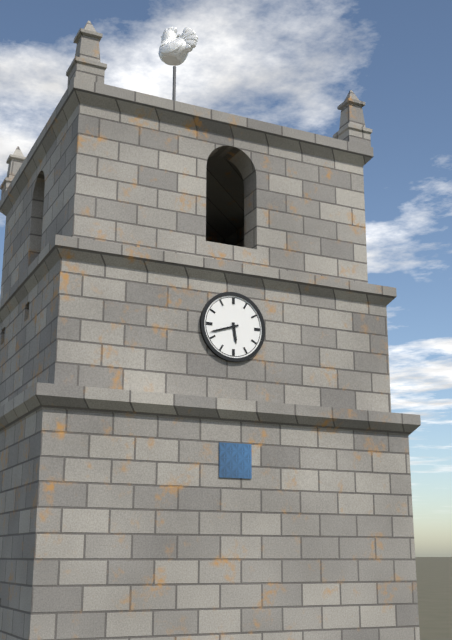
5:42
